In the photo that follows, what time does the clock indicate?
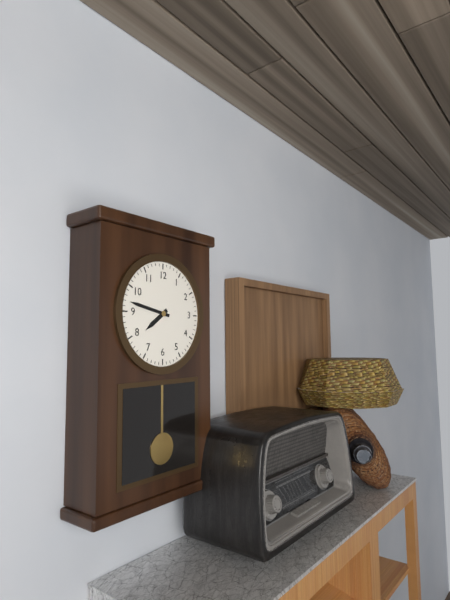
7:47
